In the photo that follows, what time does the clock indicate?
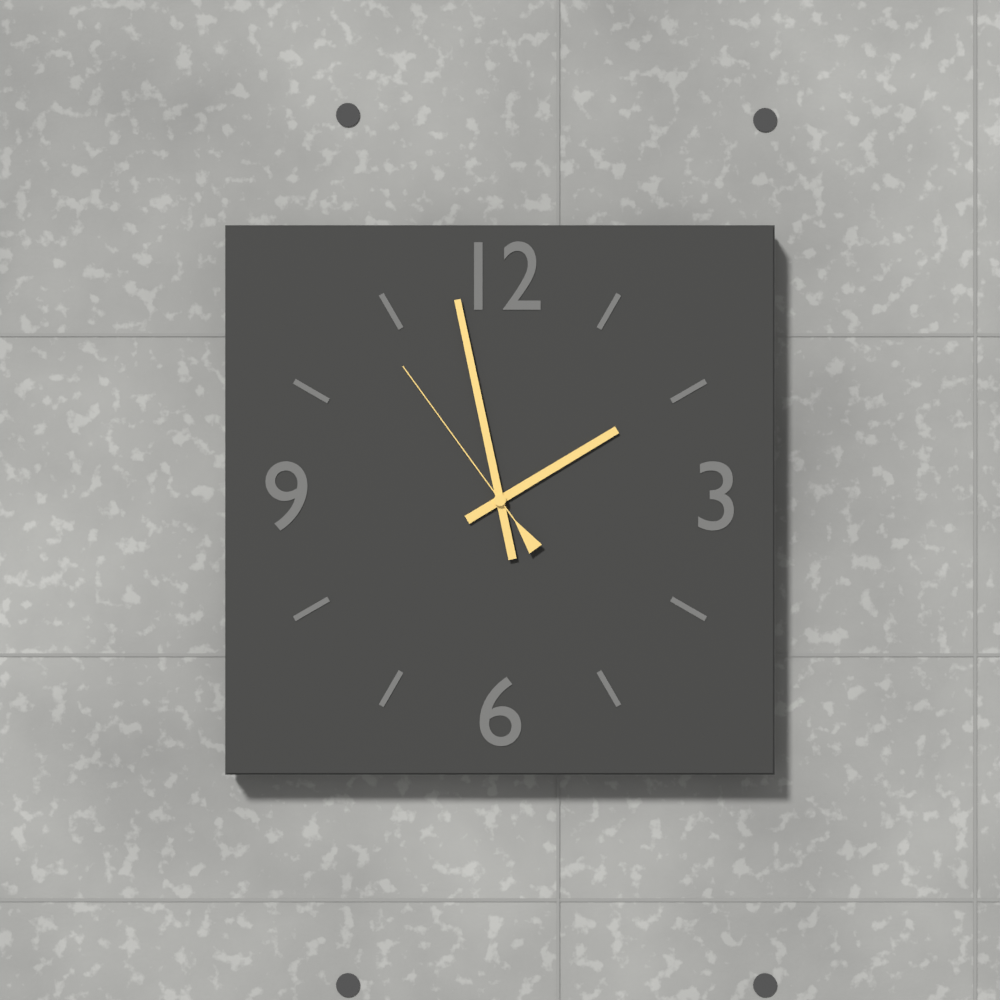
1:58:54
